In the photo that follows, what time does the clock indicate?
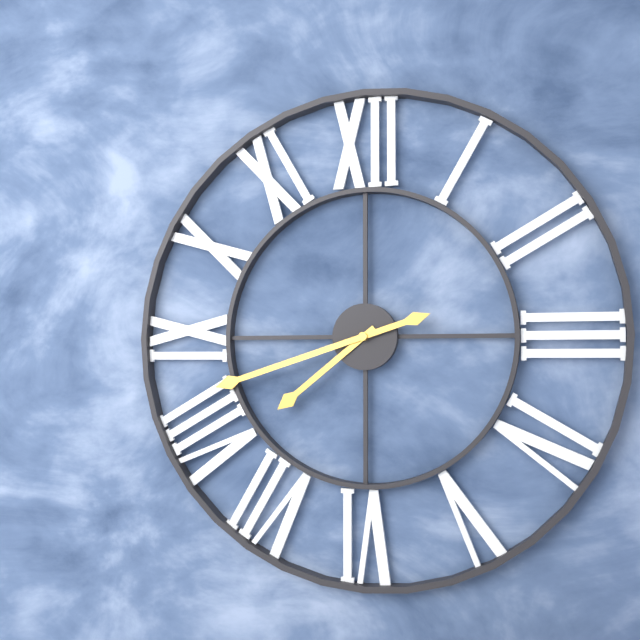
7:42
